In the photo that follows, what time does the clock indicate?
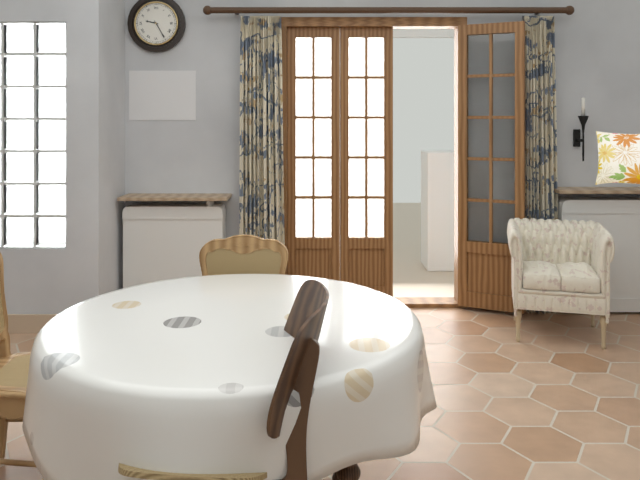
9:25
